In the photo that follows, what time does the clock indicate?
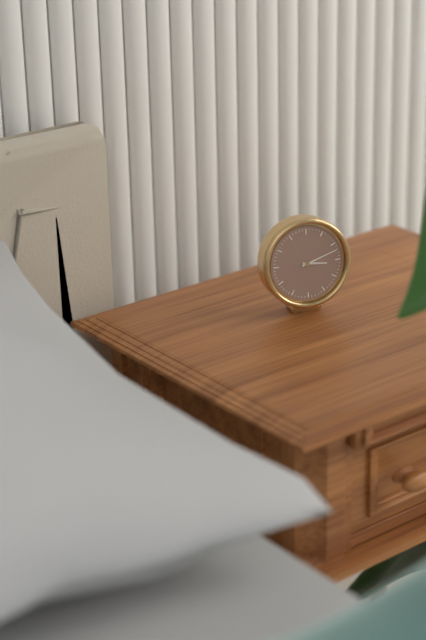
3:12
